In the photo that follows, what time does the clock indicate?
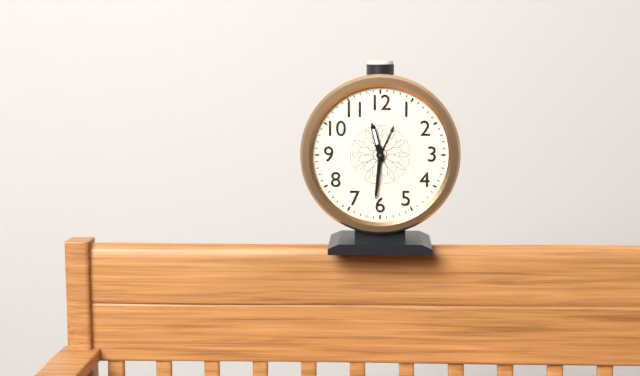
11:31
